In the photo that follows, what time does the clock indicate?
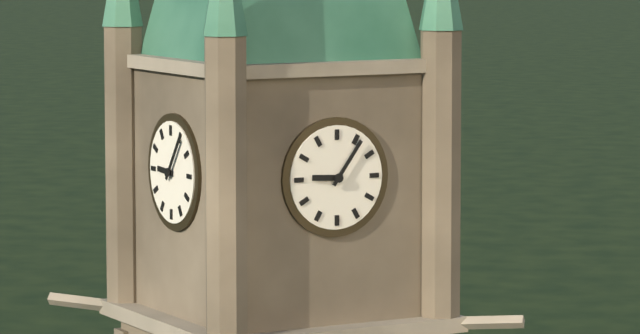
9:06
